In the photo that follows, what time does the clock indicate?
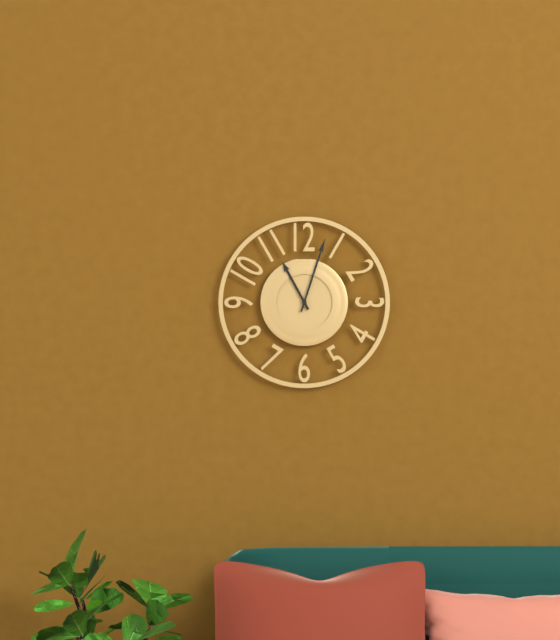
11:03
